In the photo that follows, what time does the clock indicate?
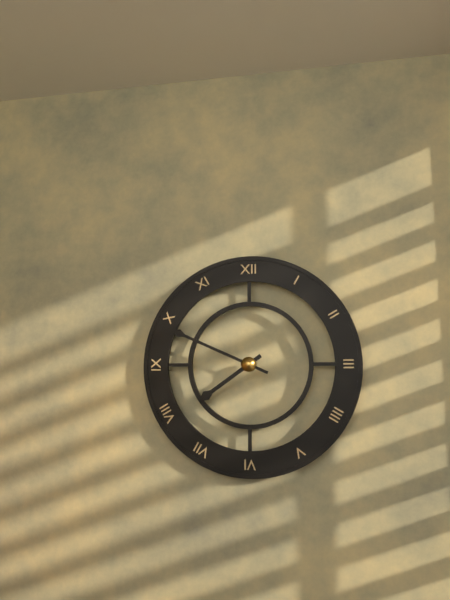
7:49
